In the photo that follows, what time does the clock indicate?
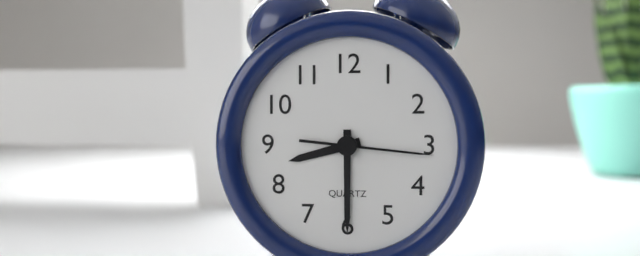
8:30:16
